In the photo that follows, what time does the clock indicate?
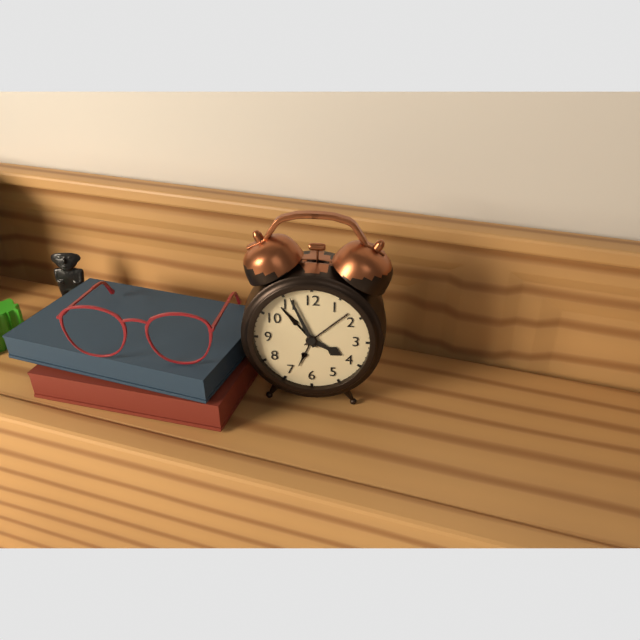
3:56
